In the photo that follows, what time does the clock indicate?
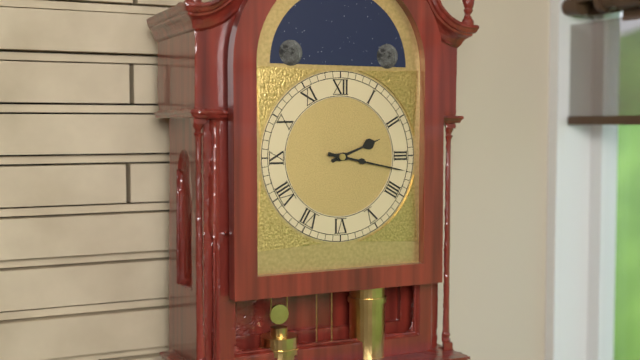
2:17
